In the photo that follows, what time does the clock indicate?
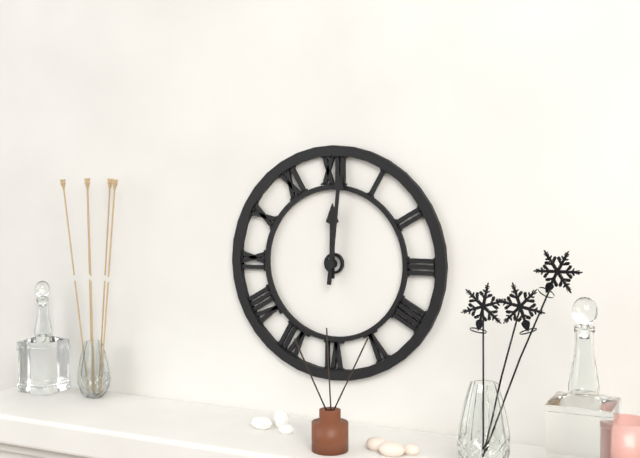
12:01
